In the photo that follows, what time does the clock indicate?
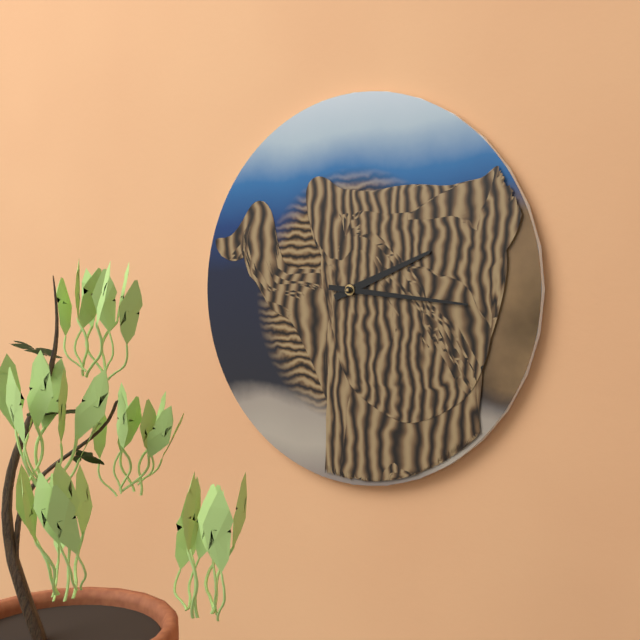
2:16
